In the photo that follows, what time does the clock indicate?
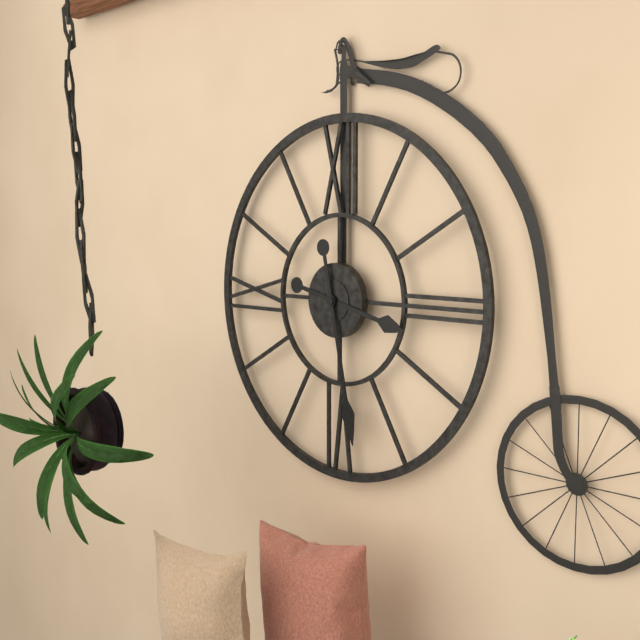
3:28
